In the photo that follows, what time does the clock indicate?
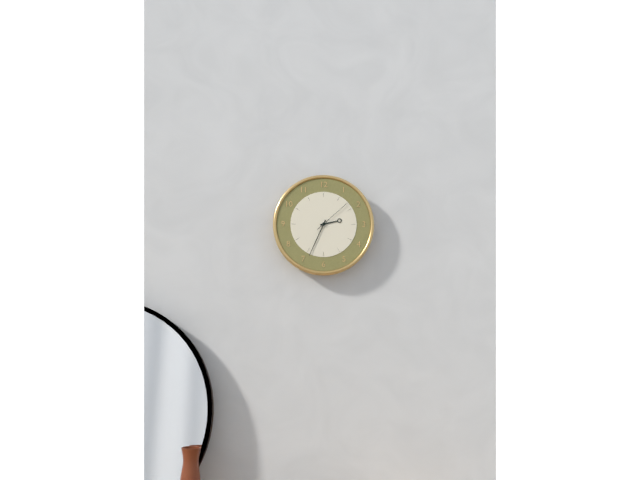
2:34
